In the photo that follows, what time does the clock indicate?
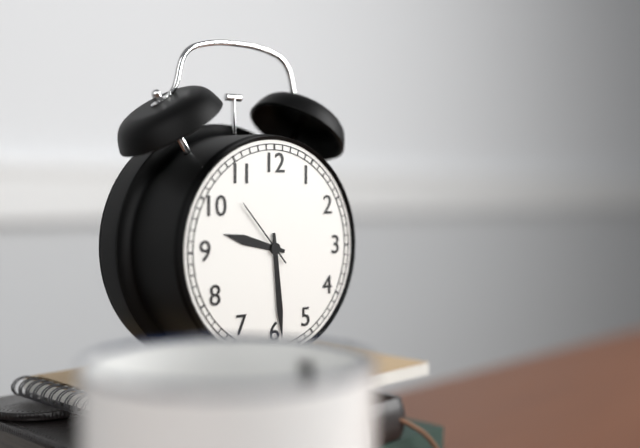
9:29:53
